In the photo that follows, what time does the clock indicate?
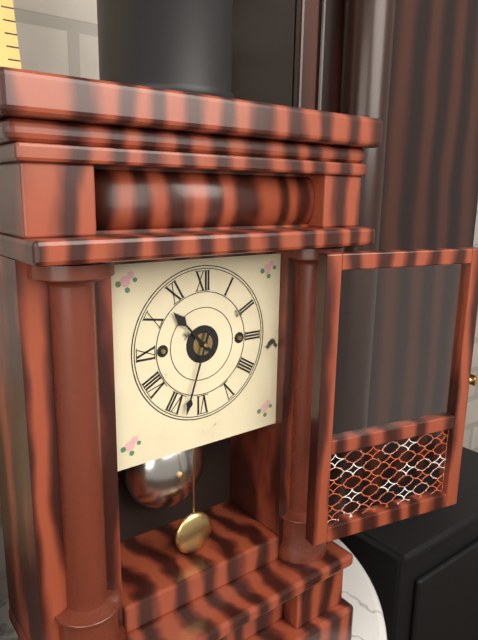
10:33
